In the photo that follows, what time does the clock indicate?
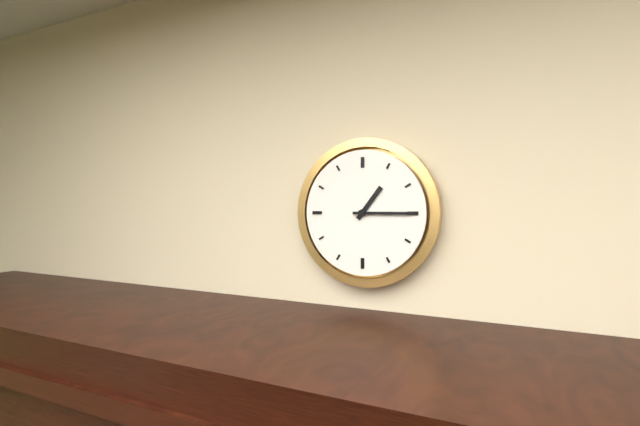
1:15
